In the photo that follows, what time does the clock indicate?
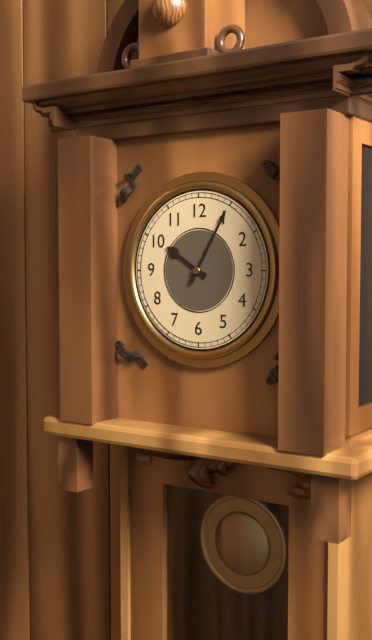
10:05
